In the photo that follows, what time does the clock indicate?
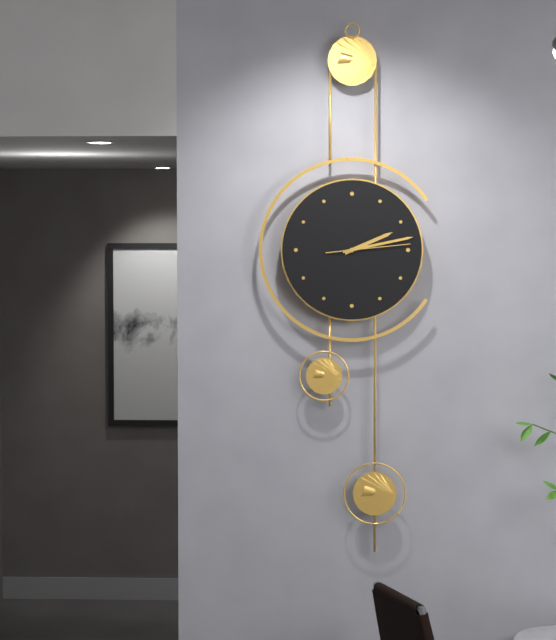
2:13:14
